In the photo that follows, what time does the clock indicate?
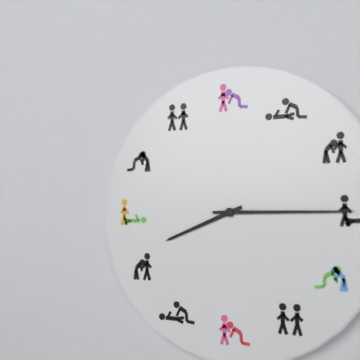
8:15
